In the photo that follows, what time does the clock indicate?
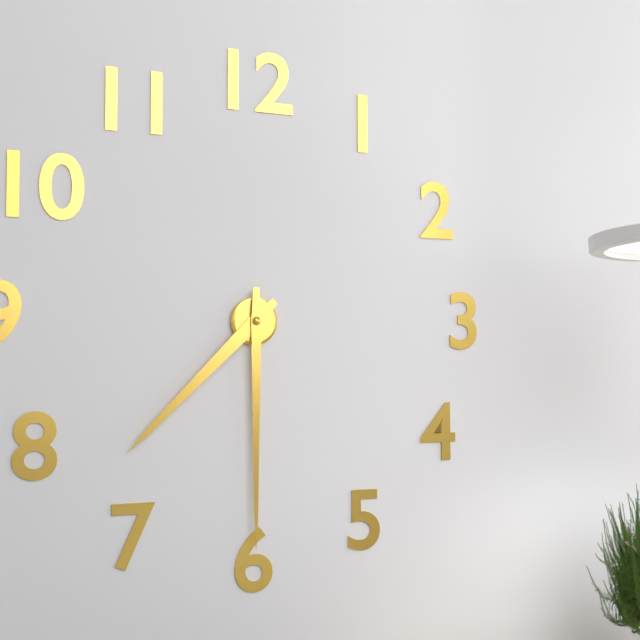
7:30
